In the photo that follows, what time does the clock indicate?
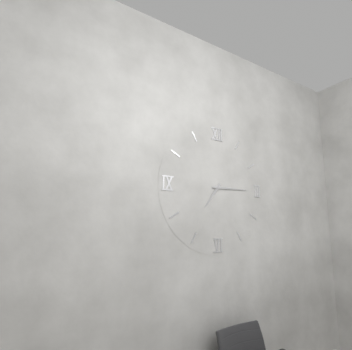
7:15
